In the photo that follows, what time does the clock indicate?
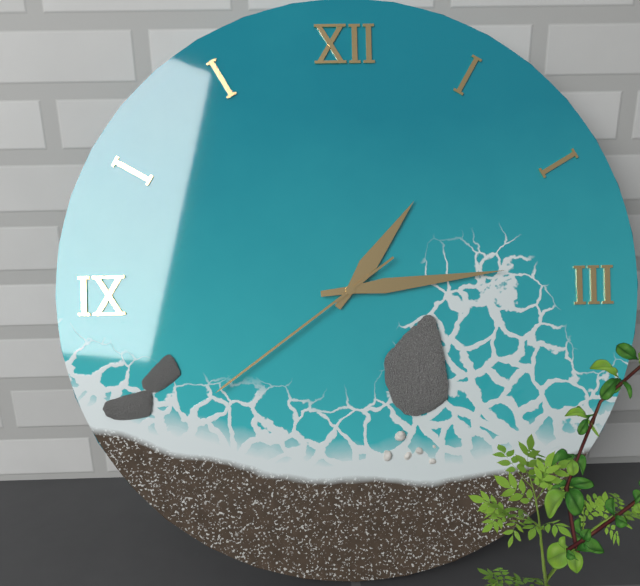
1:14:39
